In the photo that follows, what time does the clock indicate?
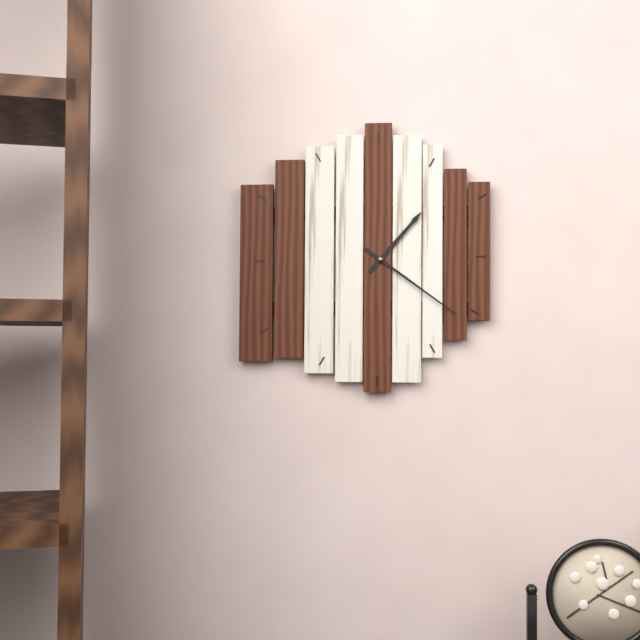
1:21
